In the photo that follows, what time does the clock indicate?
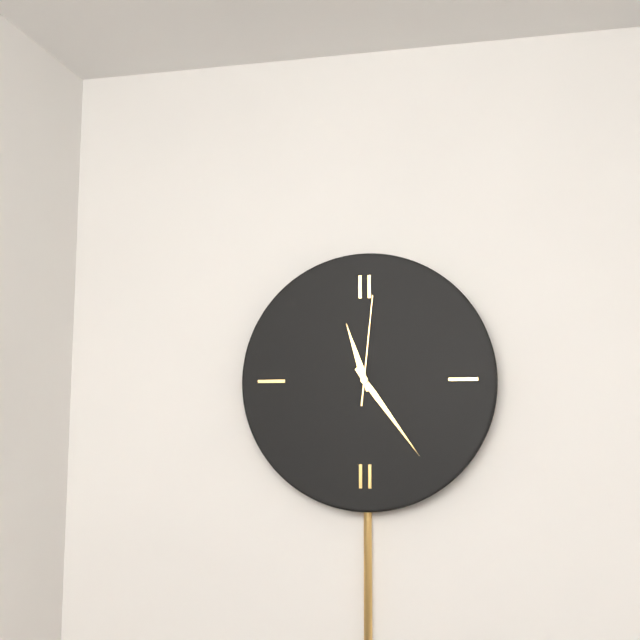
11:24:01
